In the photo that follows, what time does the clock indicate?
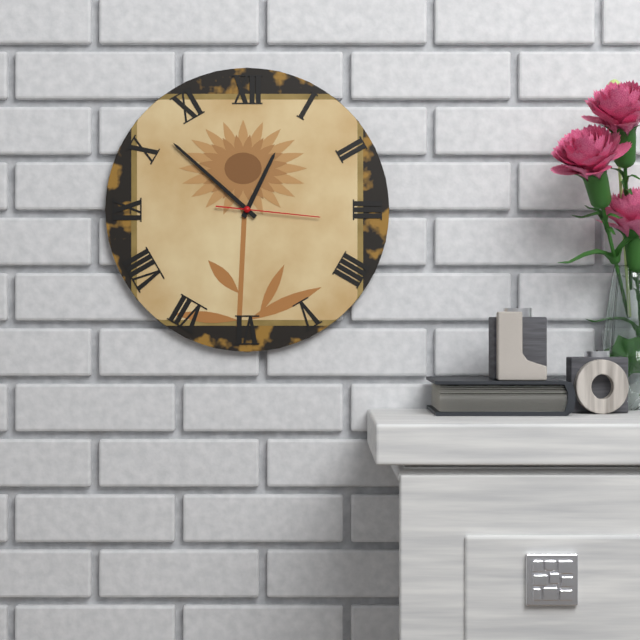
12:52:16
